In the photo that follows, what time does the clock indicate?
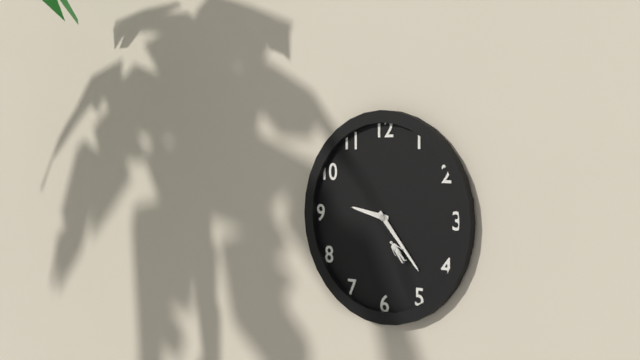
9:23
